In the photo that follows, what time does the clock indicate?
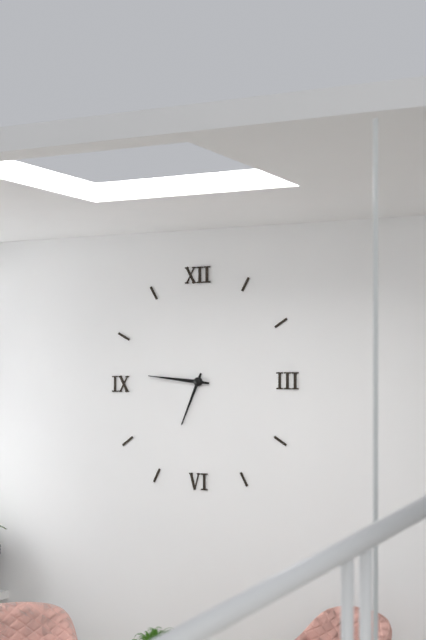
6:46
